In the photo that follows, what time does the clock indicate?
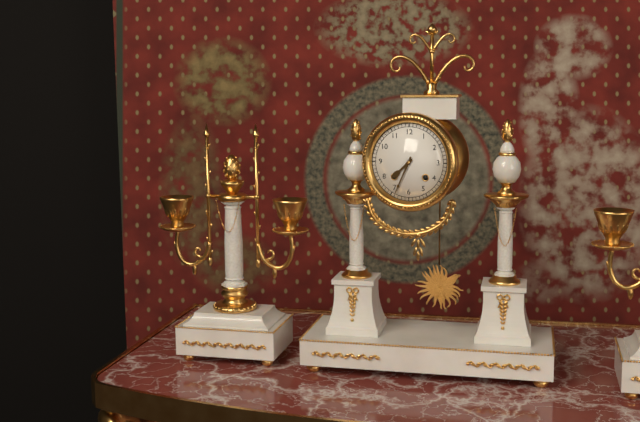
7:34
